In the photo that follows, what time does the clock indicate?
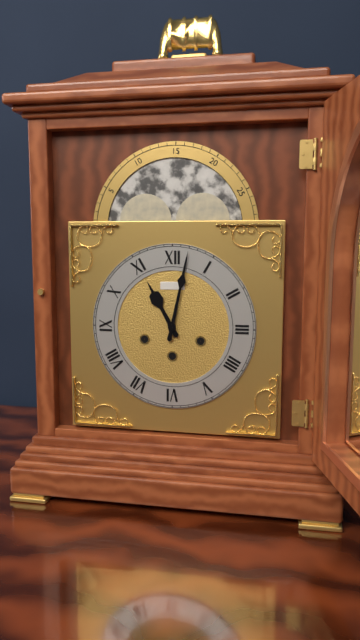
11:02
